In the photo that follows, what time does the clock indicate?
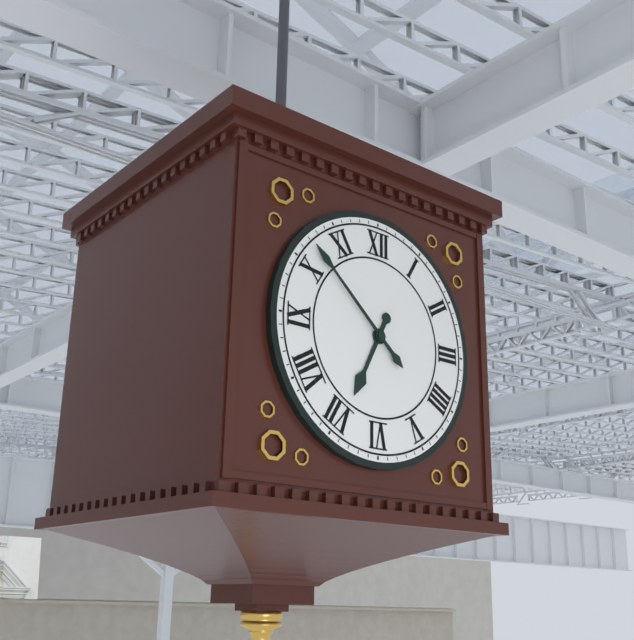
6:52
